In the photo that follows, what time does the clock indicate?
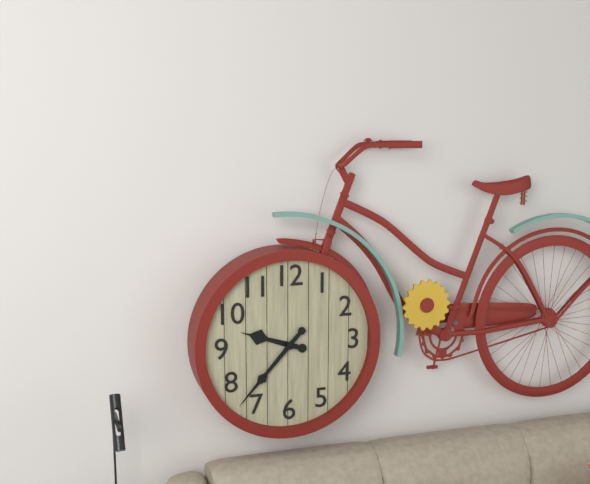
9:37
